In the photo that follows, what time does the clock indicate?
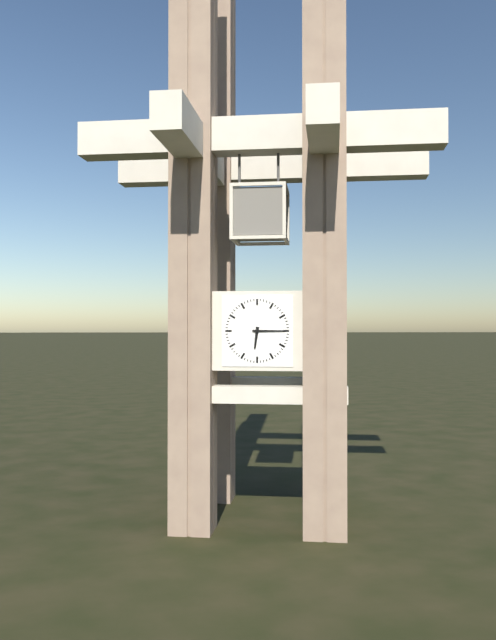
6:15
